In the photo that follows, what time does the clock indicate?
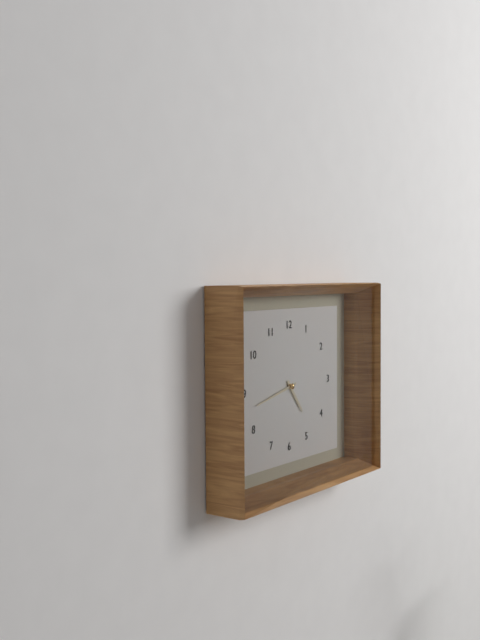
4:43
